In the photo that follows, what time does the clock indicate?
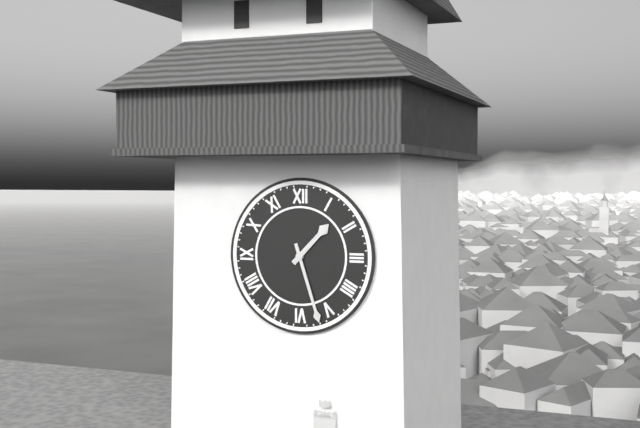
1:27
